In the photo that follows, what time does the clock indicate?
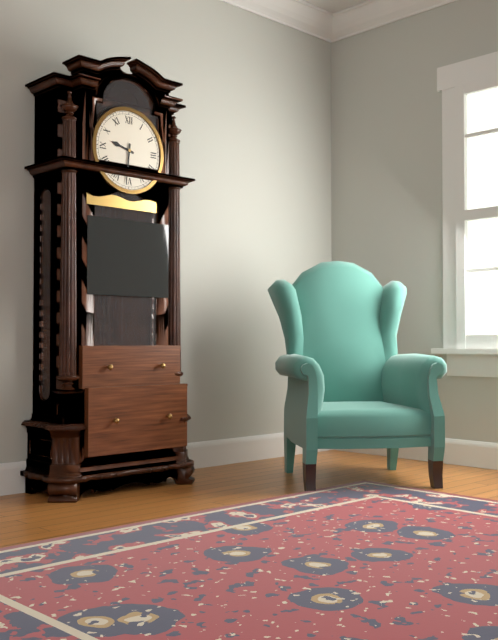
9:31
